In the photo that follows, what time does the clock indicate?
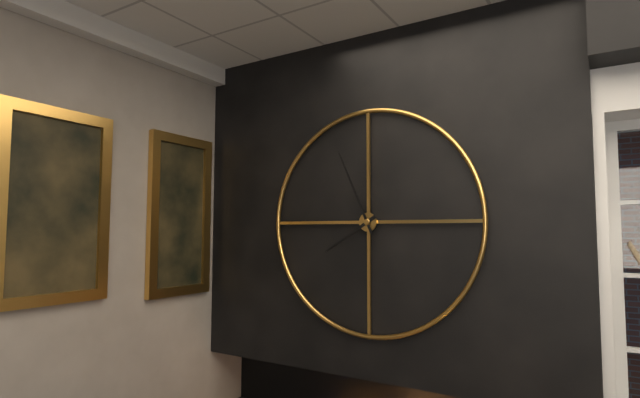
7:56
